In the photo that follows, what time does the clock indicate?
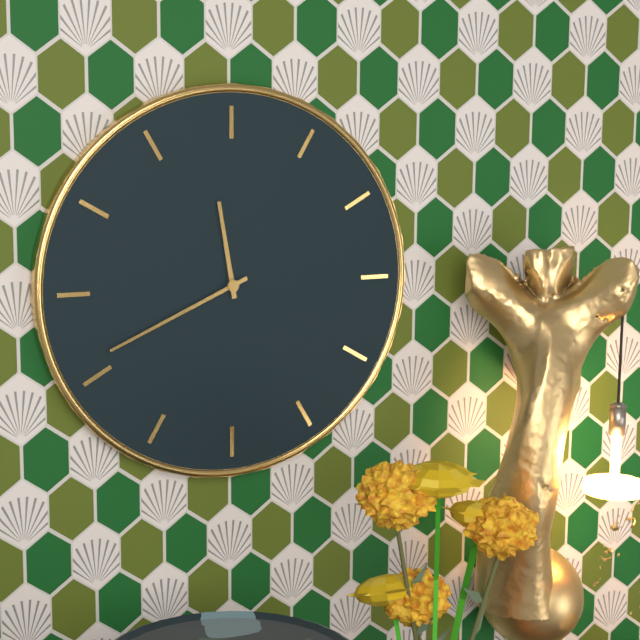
11:41
